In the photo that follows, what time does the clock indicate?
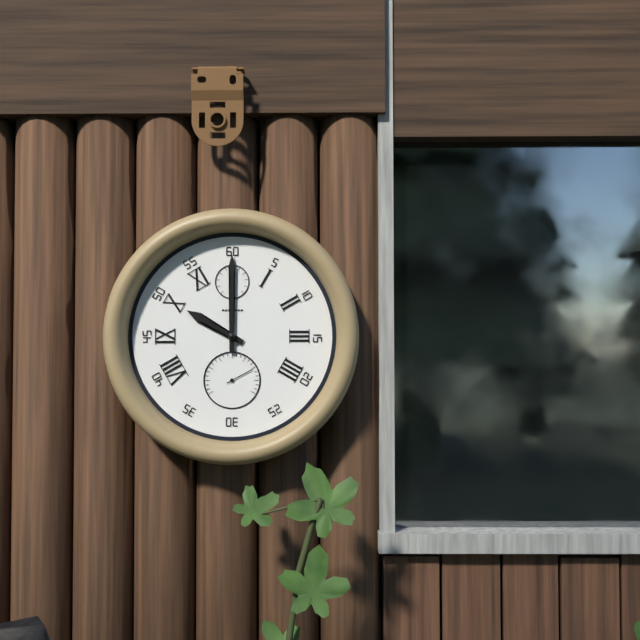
10:00
